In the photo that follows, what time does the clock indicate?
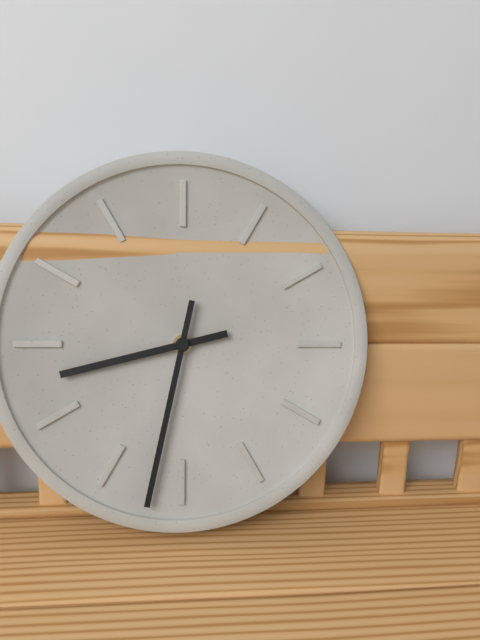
8:32
